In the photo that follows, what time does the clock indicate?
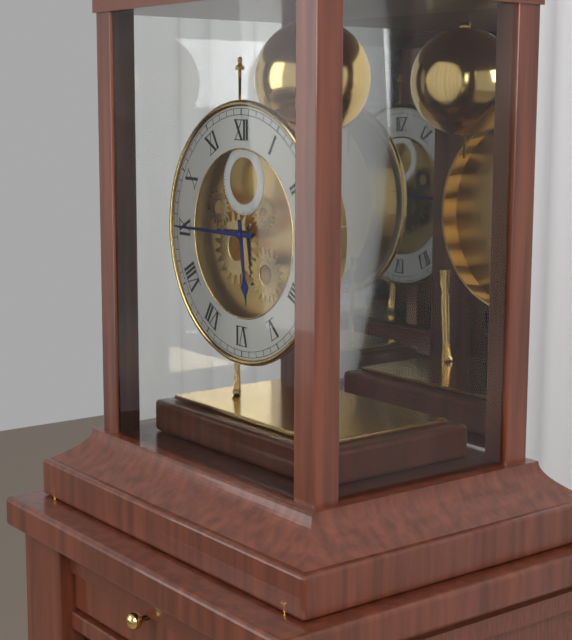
5:45
